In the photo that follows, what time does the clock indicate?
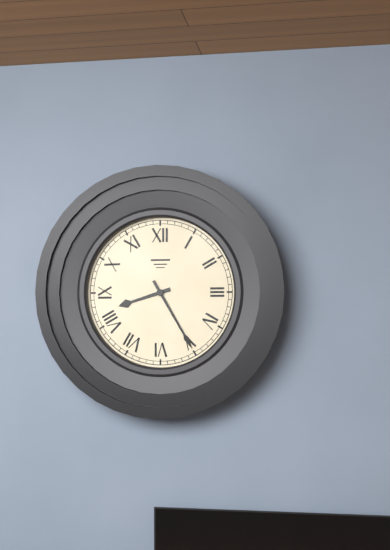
8:25
